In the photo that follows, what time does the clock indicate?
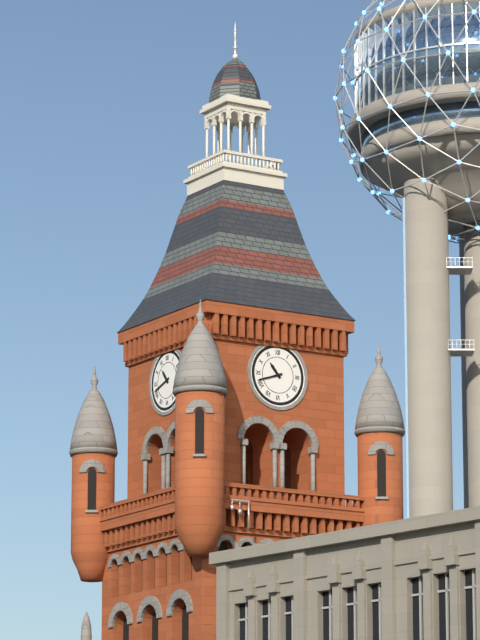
10:42
